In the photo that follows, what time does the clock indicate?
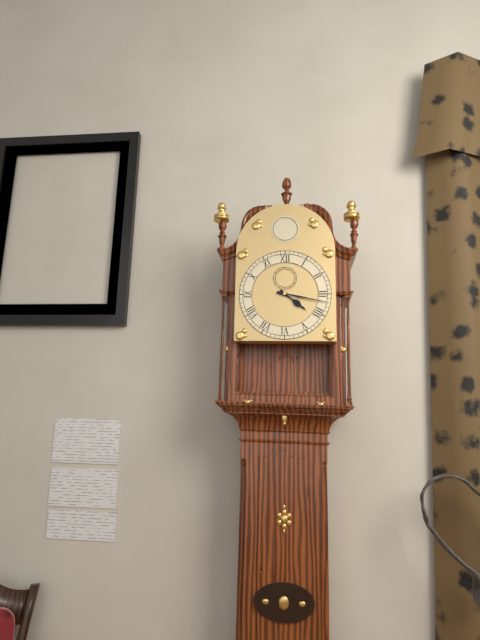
4:17
